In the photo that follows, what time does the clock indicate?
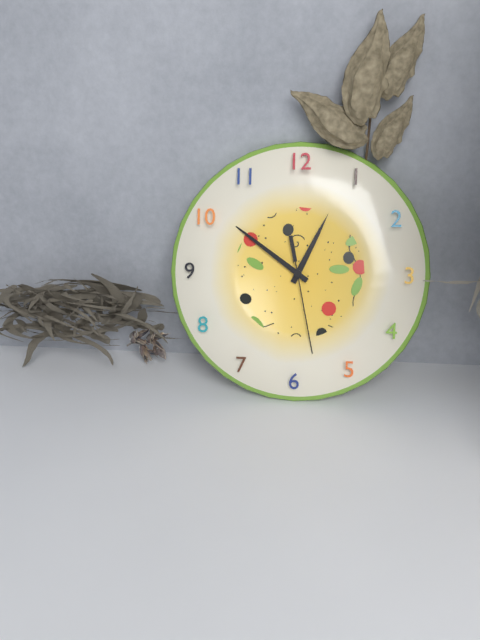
12:51:28
